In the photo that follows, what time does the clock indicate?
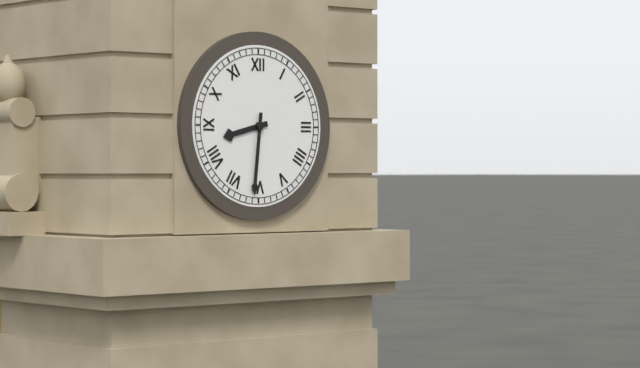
8:31
